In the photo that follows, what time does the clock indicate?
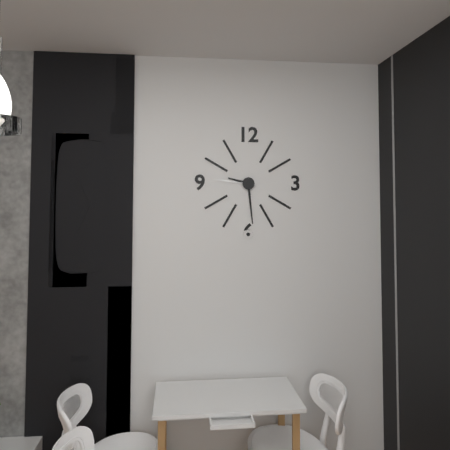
9:29
